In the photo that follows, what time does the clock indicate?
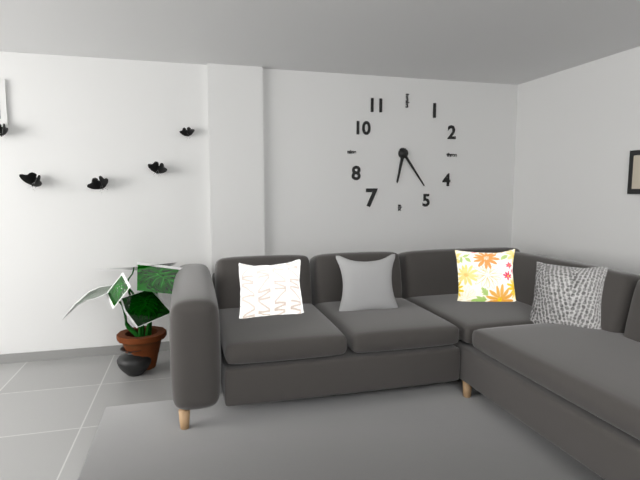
6:24
